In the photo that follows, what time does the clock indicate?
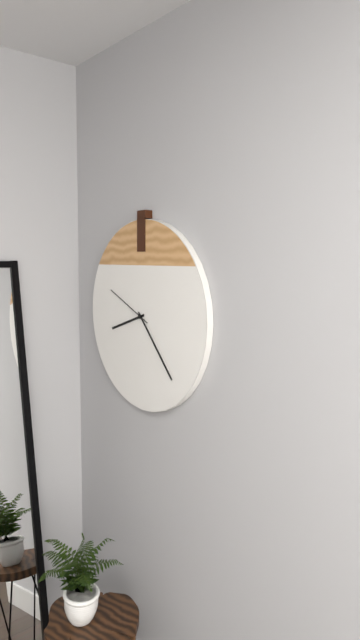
8:23
